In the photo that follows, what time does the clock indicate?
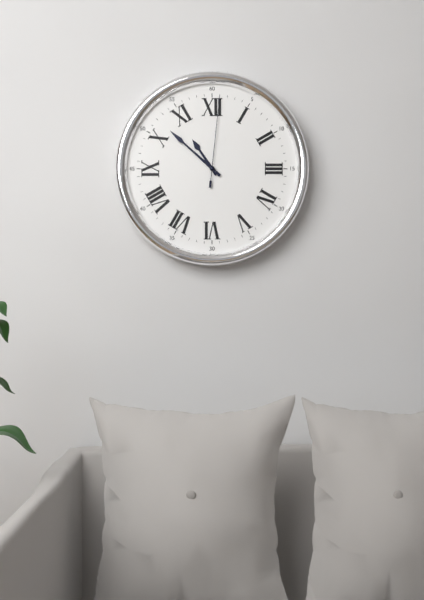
10:52:01
